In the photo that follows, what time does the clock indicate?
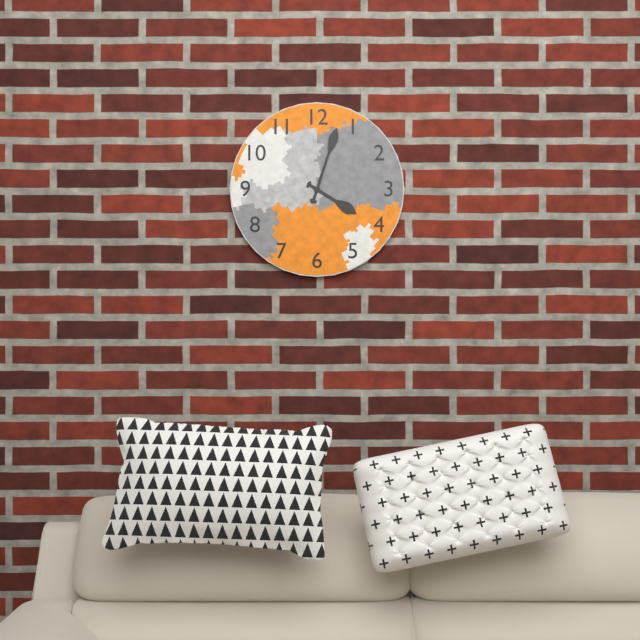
4:03
